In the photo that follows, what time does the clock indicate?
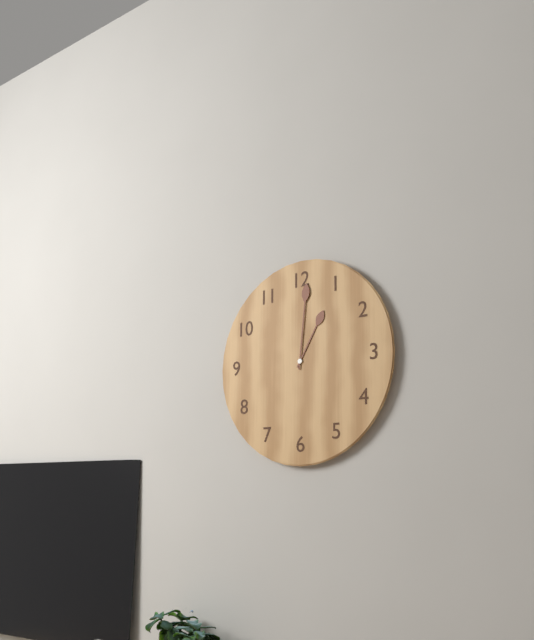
1:01
